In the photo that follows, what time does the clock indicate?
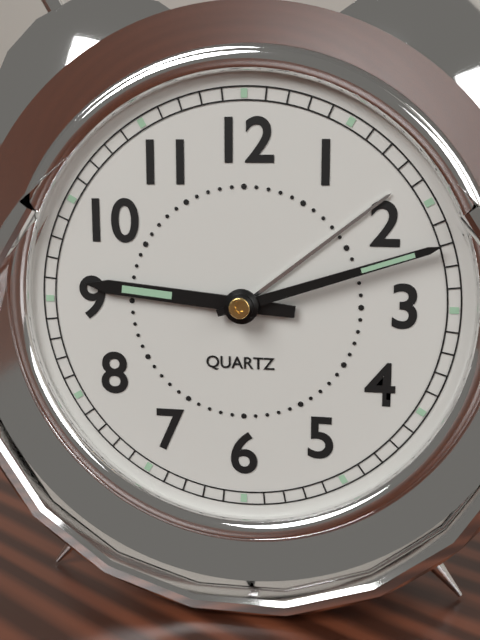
9:12
